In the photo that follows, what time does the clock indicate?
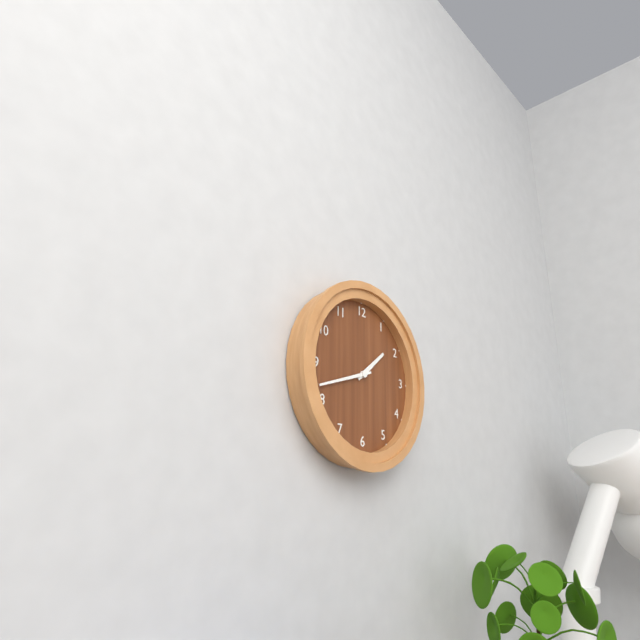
1:42
